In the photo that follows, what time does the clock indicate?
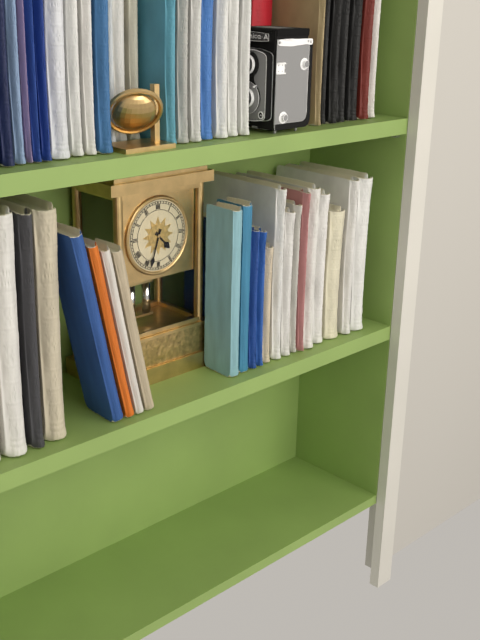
4:33
